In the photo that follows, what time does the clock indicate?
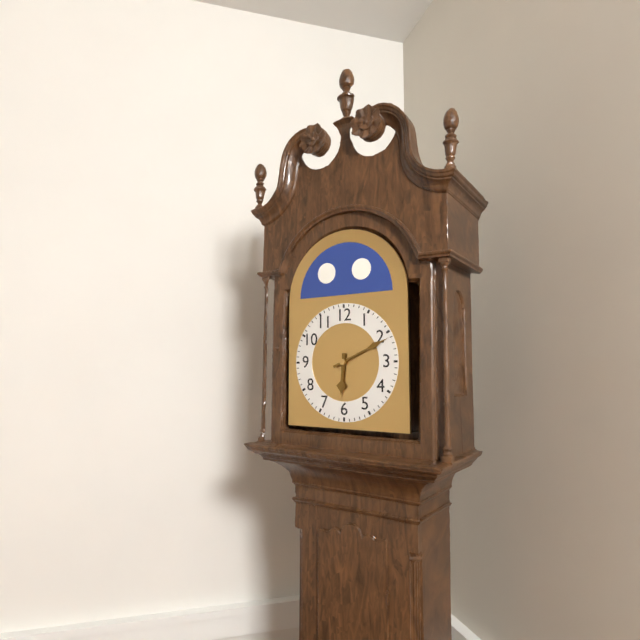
6:11
